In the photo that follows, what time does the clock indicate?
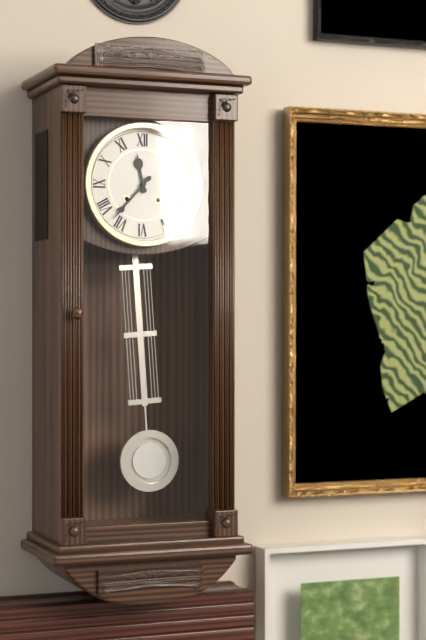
11:37
